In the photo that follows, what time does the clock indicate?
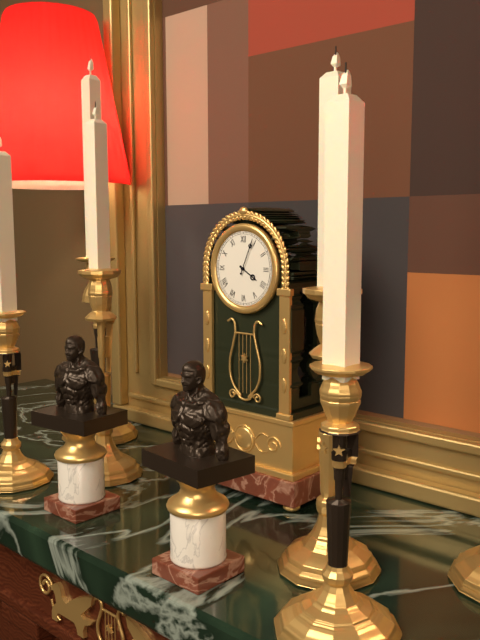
4:04
